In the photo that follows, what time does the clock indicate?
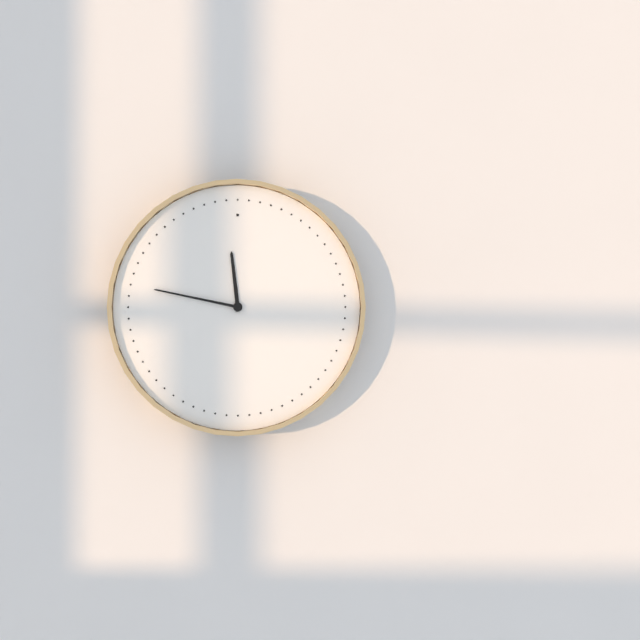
11:47
